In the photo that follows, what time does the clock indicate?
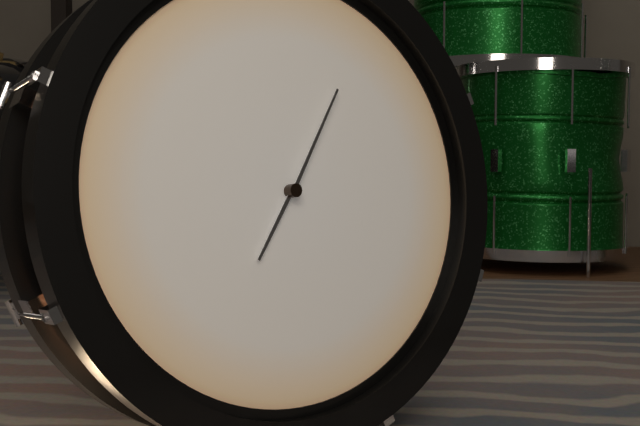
7:05
